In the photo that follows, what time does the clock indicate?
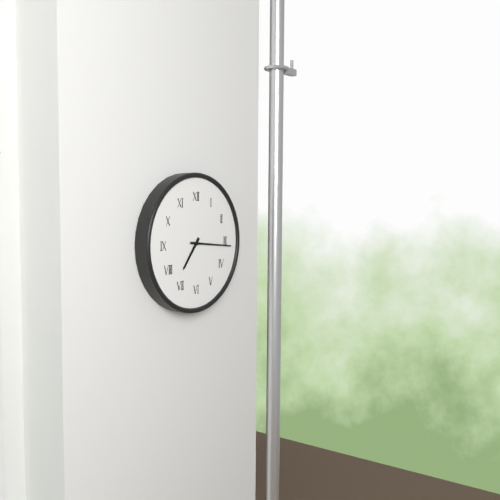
7:16
